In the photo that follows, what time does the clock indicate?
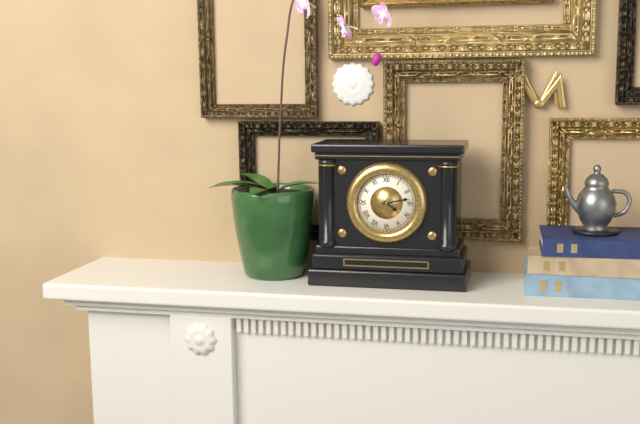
4:13
